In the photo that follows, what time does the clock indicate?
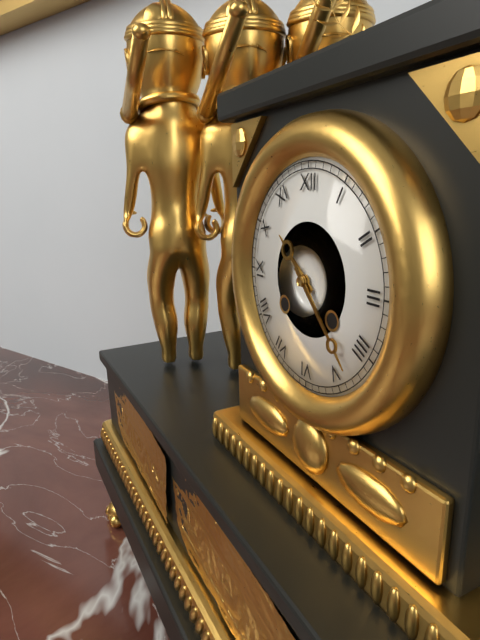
10:23
